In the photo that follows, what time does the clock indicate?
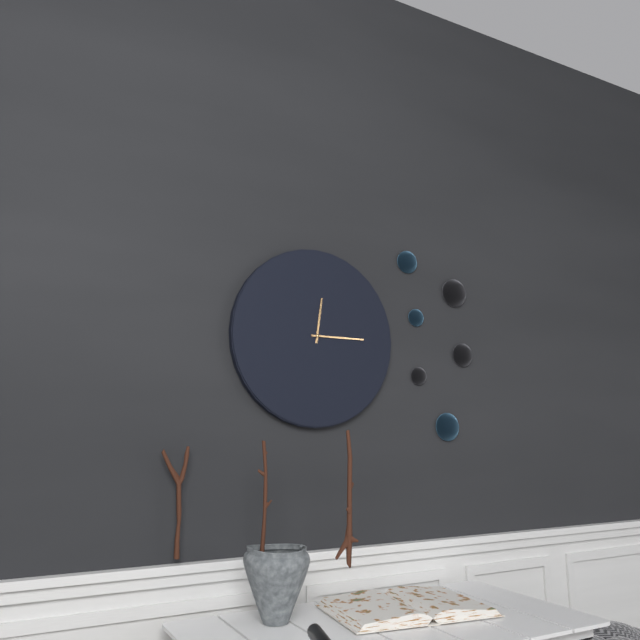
12:15
